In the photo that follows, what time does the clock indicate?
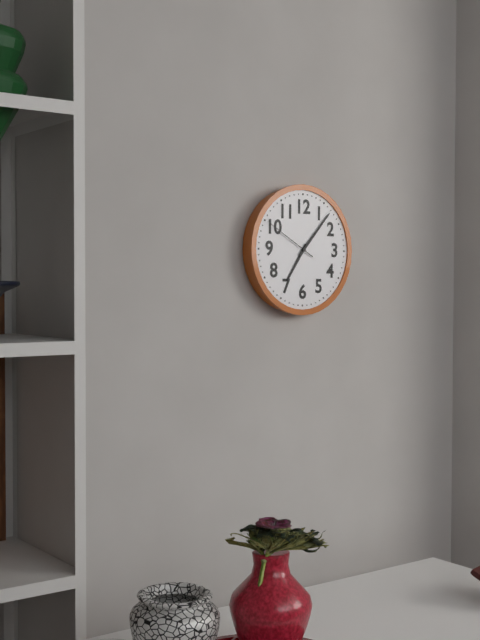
7:07:50
